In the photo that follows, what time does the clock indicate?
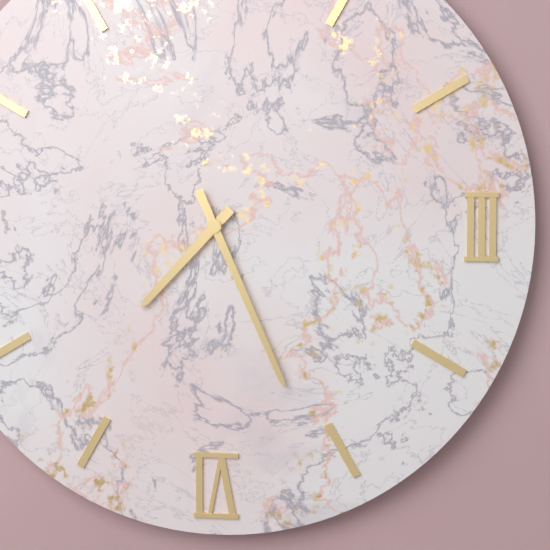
7:26
